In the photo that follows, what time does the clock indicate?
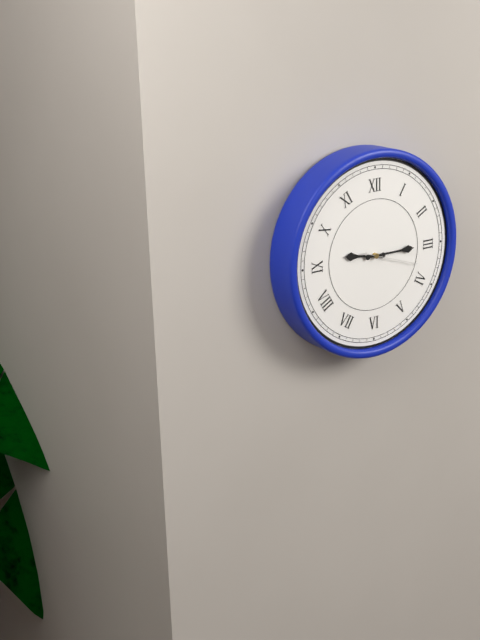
9:15:18
